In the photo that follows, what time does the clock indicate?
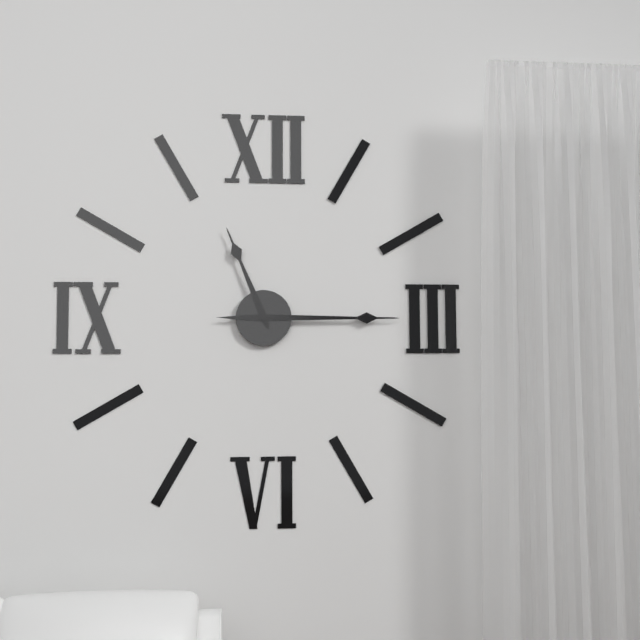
11:15
